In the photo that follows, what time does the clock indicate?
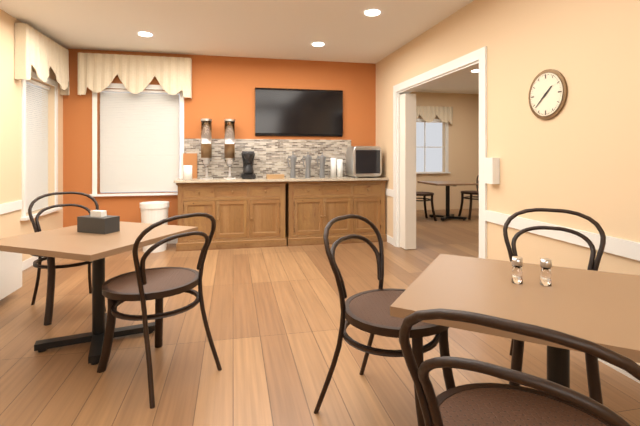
1:38
